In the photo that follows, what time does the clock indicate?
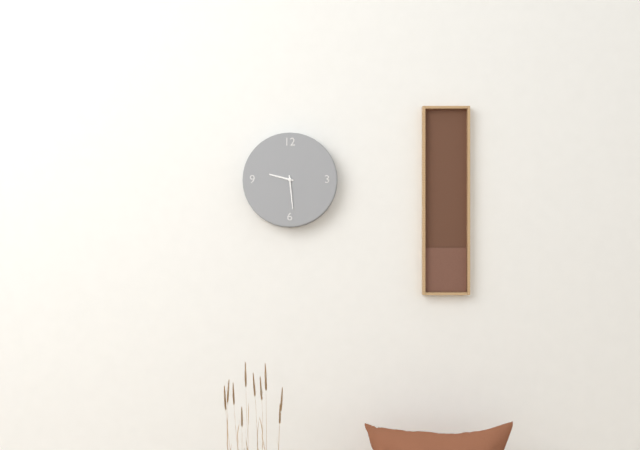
9:29
